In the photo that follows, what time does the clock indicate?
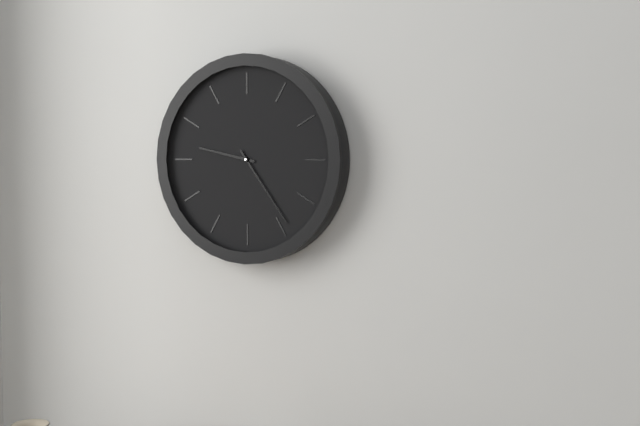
9:24
